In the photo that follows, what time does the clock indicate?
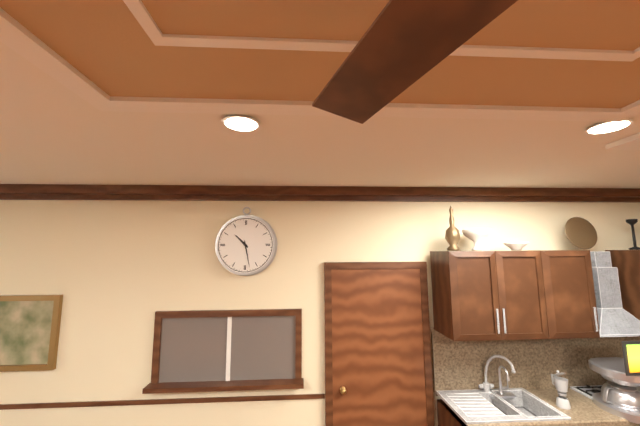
10:28
